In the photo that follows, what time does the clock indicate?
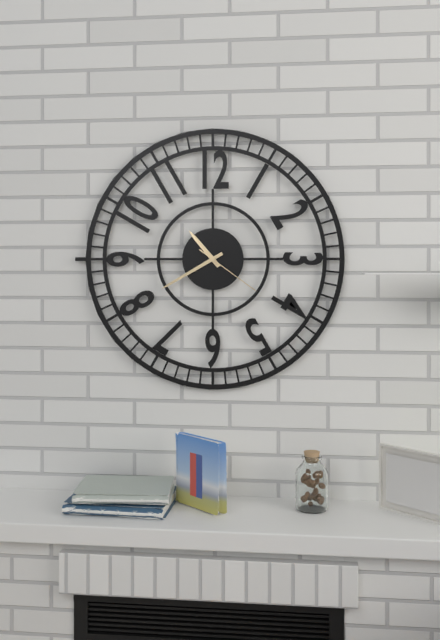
10:40:21
